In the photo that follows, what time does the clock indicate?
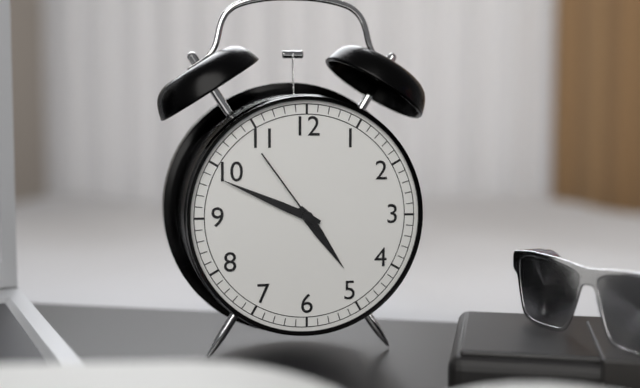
4:49:54
